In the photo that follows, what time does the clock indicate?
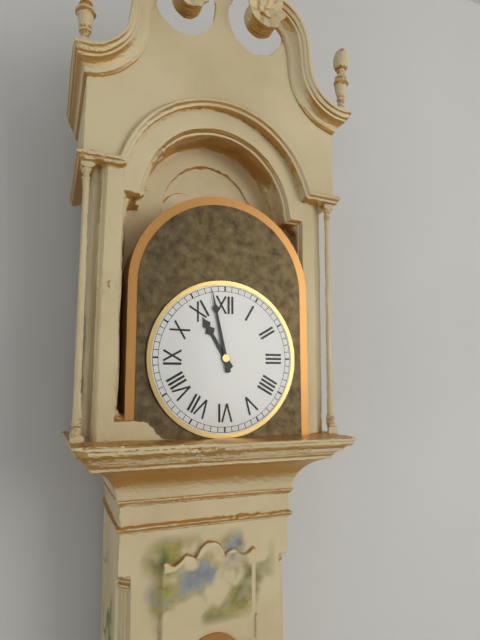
10:58
